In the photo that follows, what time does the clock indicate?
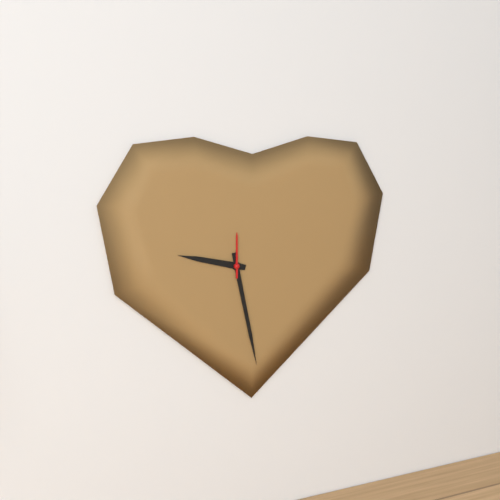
9:28
